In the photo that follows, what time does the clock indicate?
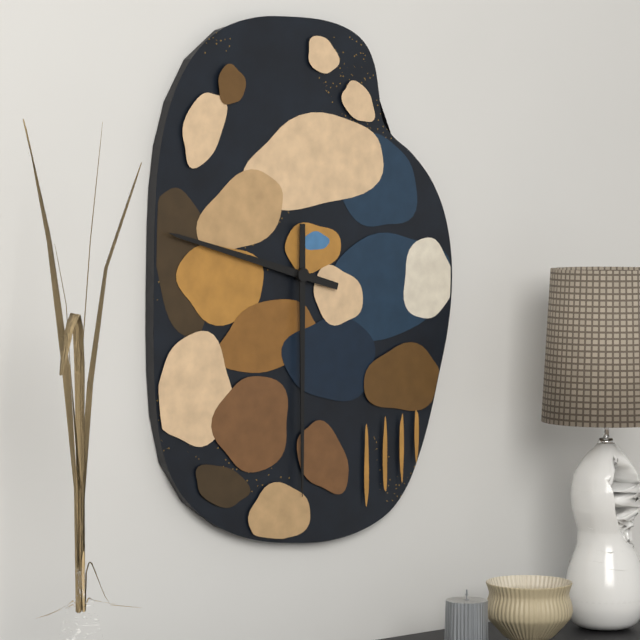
9:30
